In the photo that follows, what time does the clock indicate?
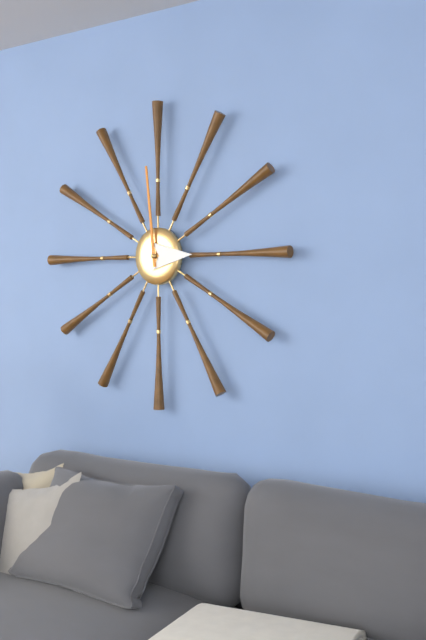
2:59
